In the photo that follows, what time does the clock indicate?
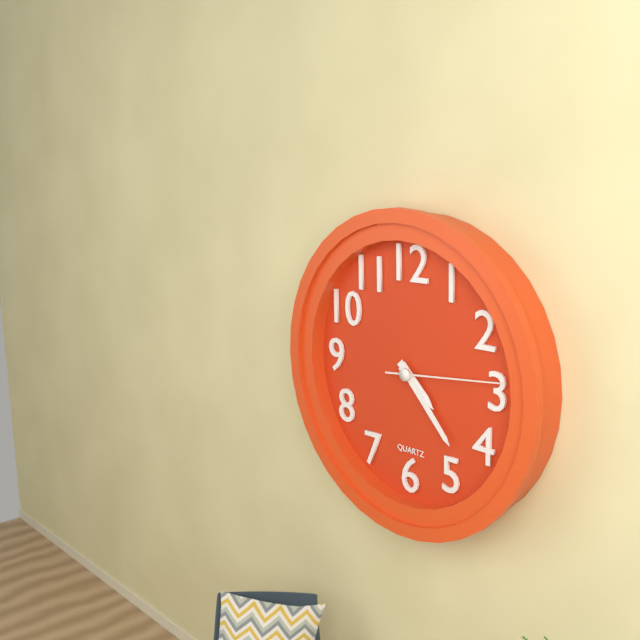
4:23:14
